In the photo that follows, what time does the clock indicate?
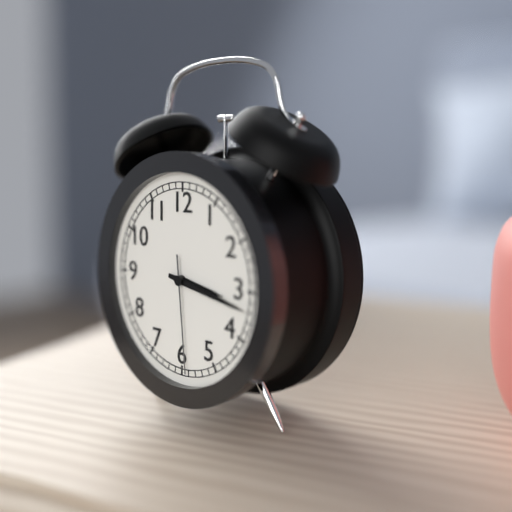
3:17:29
